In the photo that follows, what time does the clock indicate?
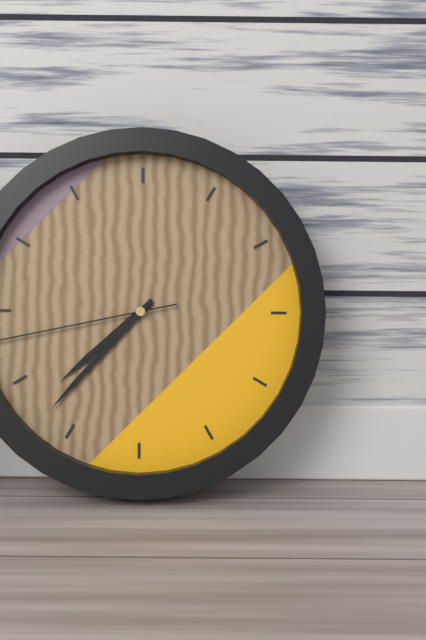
7:37
